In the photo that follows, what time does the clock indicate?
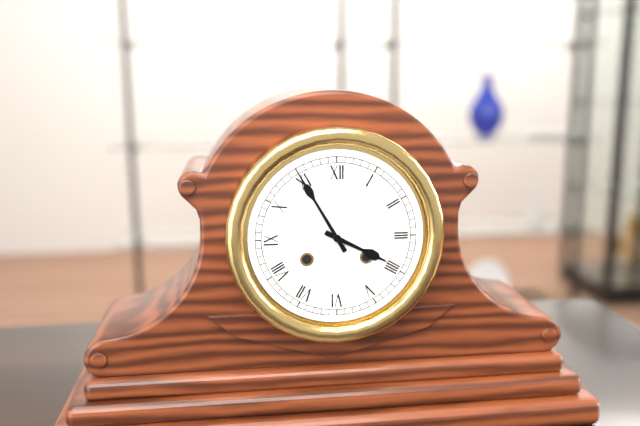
3:55
